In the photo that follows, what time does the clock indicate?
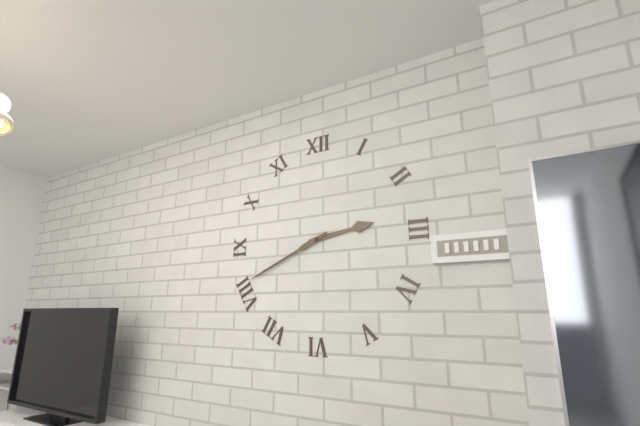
2:41
